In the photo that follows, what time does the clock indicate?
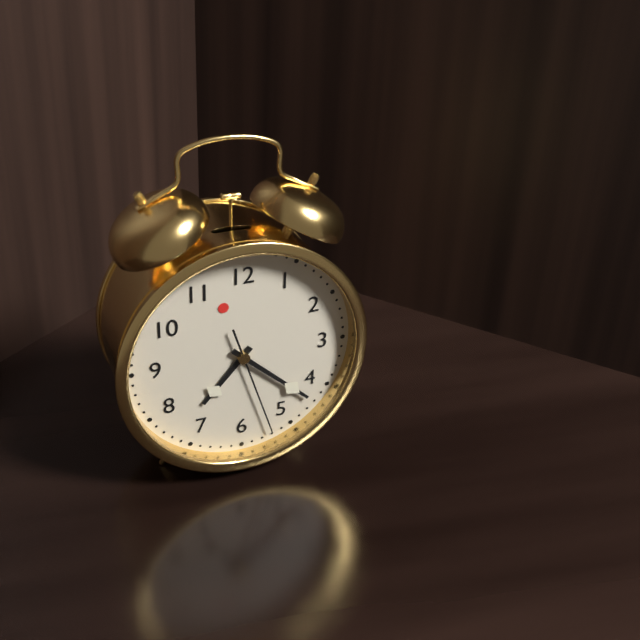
7:22:27
